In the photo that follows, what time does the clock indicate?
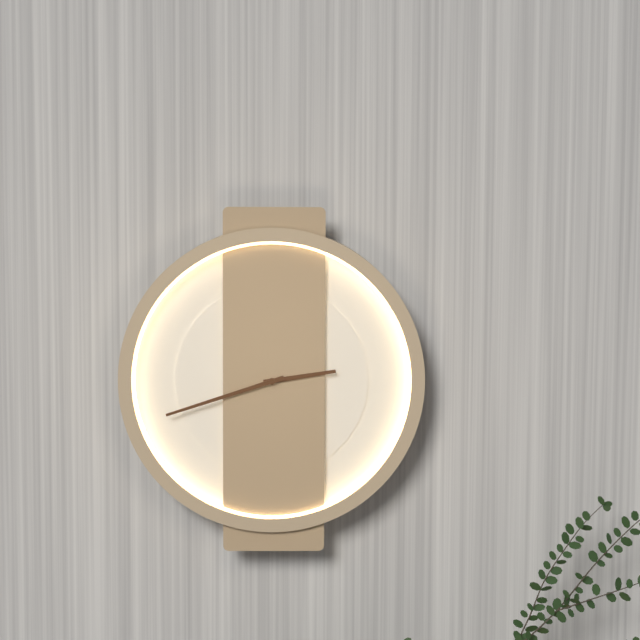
2:42
